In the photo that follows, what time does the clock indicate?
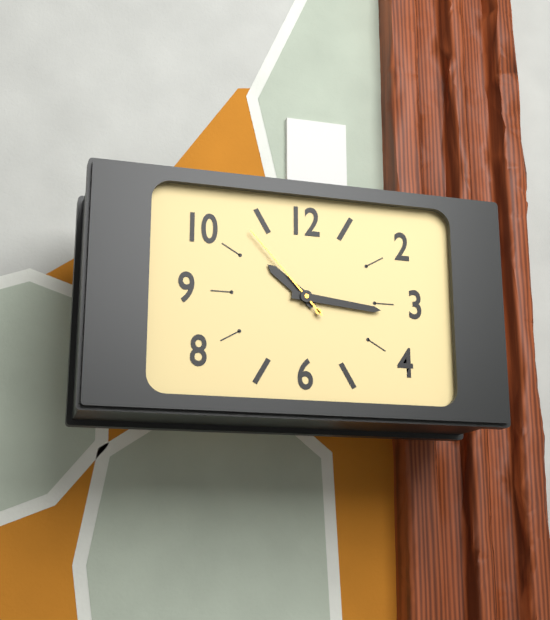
10:16:53
